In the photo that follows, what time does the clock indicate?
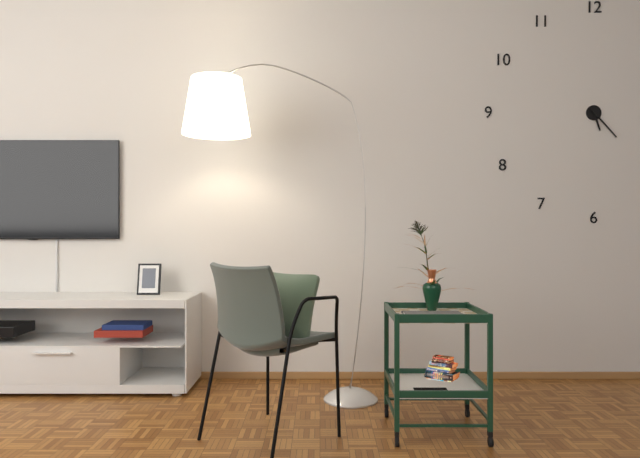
5:23
